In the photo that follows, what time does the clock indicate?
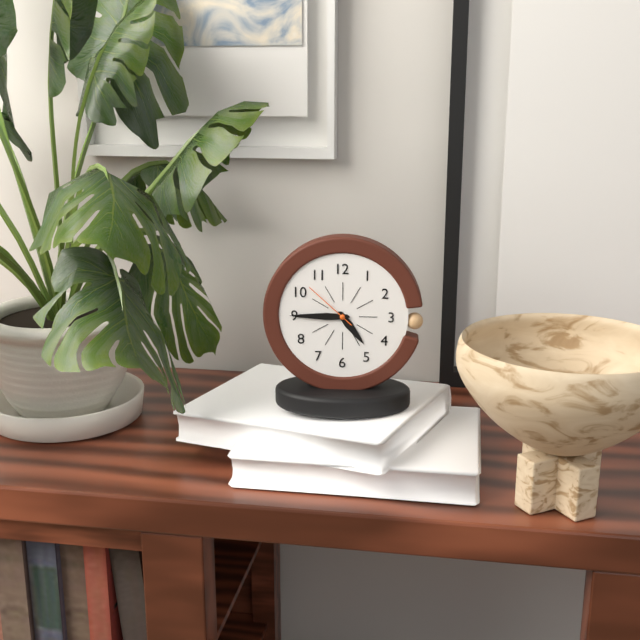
4:45:52
